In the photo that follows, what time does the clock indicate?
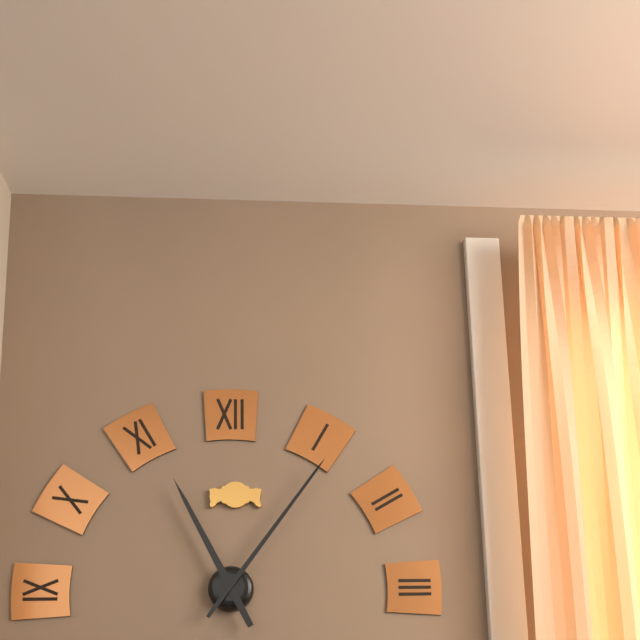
11:06
